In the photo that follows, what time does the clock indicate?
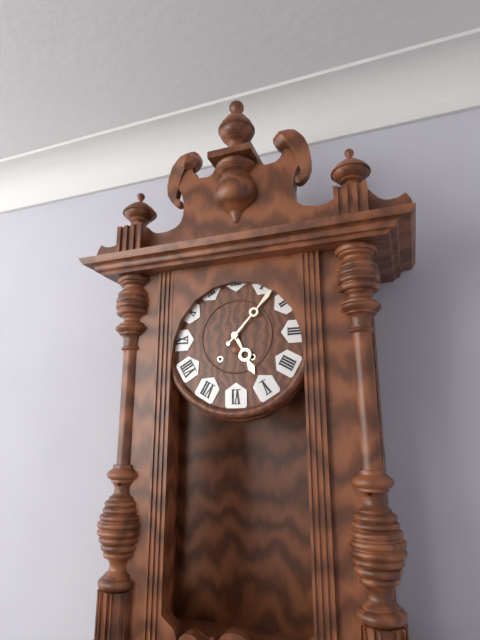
5:07
